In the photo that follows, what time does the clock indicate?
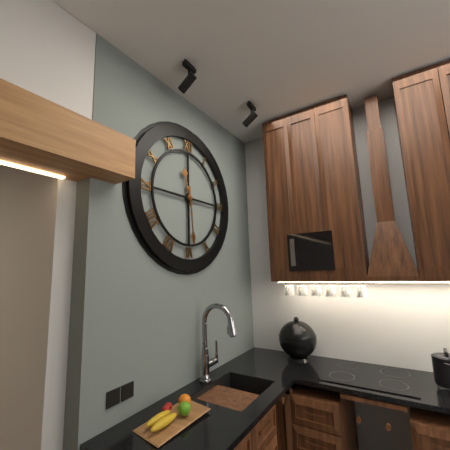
11:29
